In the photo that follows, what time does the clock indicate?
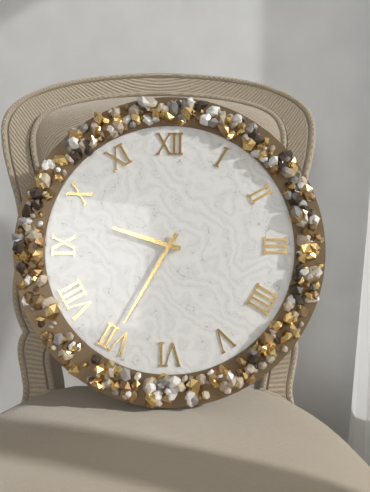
9:35
